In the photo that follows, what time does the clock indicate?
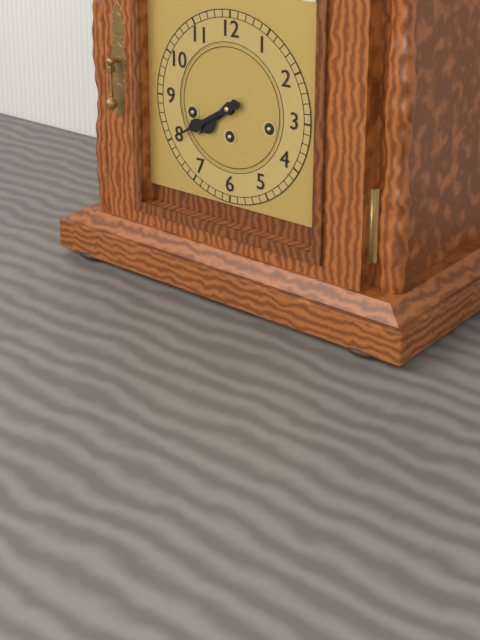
7:40
